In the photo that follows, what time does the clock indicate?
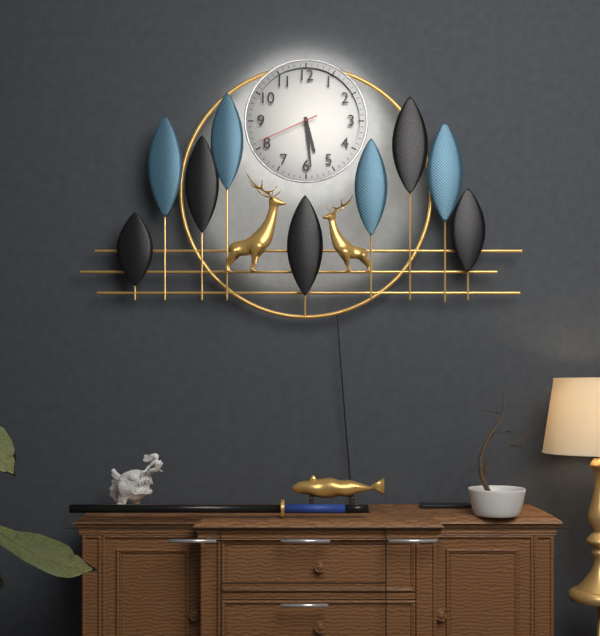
5:29:41
